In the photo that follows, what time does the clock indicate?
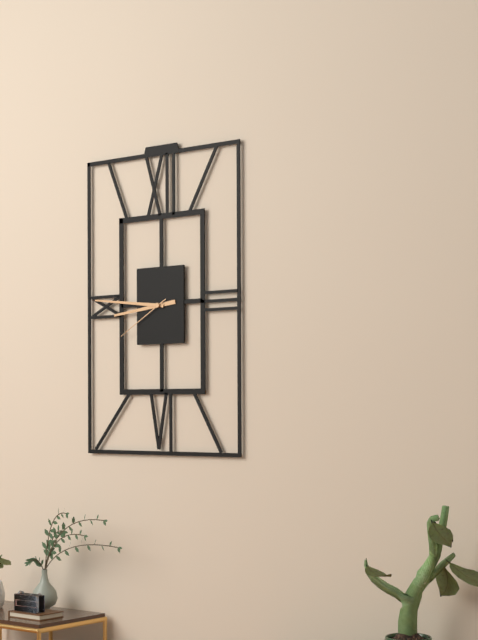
8:46:40
